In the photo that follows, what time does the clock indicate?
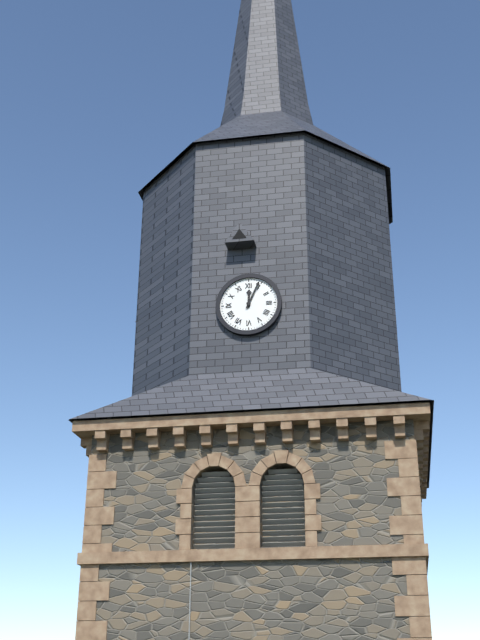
12:04
